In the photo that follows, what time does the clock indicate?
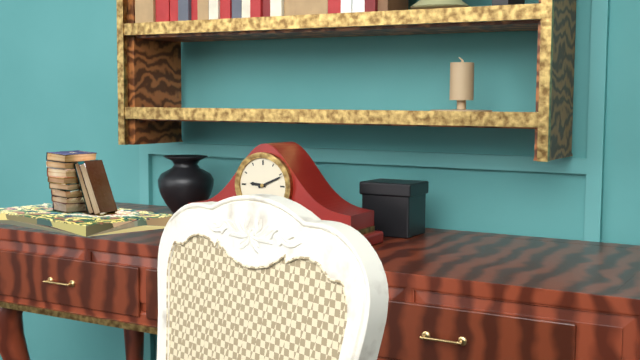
9:11
